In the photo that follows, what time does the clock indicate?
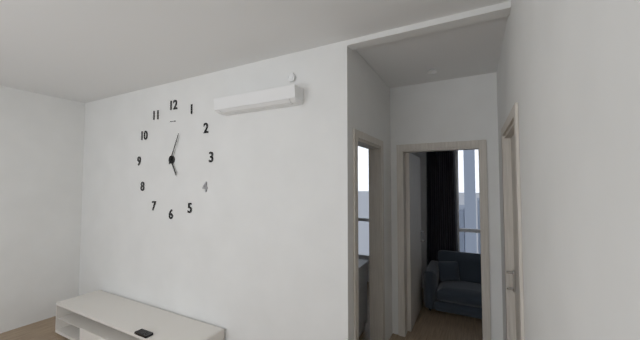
5:04
